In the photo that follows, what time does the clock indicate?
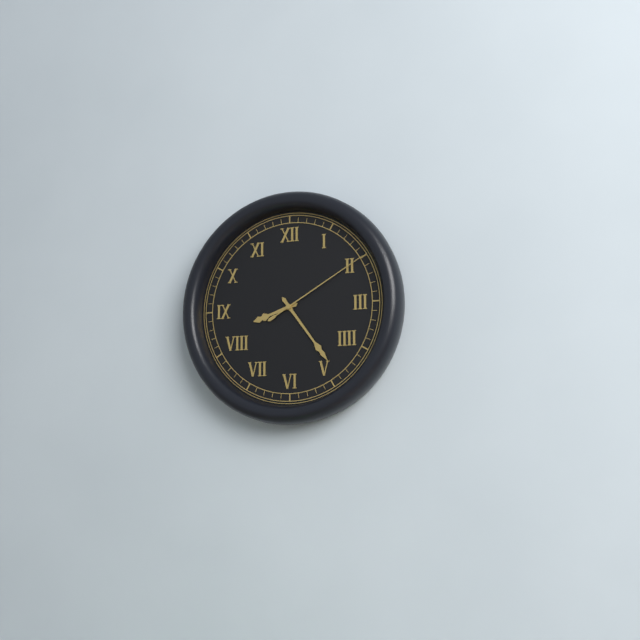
8:24:10
